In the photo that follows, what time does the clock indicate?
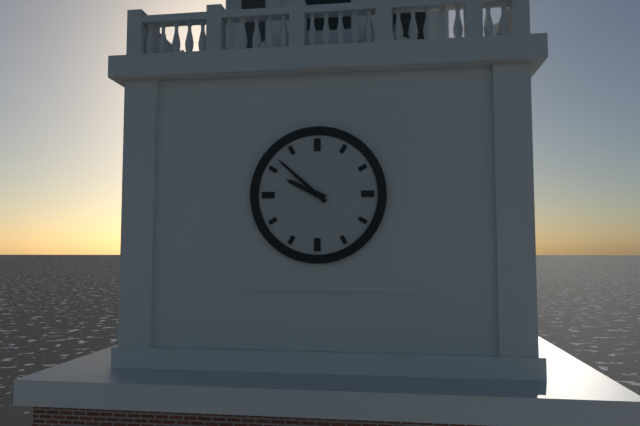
9:52
